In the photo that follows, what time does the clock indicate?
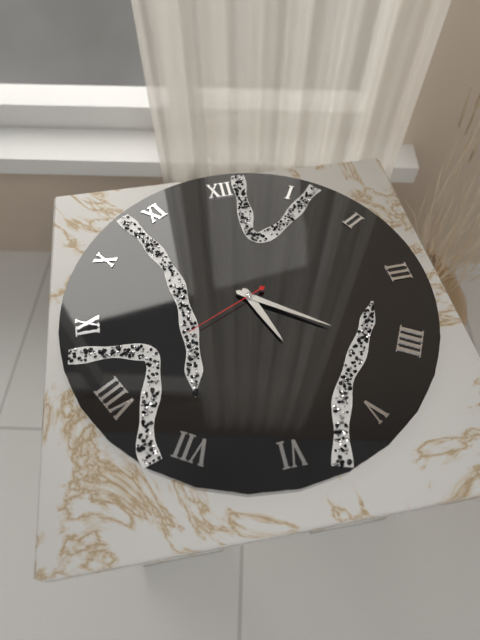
5:21:41
